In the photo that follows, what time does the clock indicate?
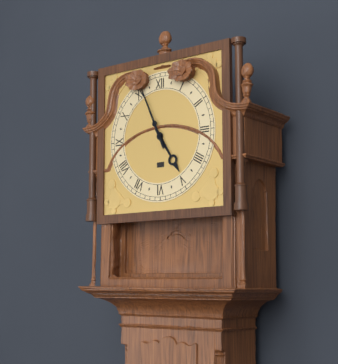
4:56
